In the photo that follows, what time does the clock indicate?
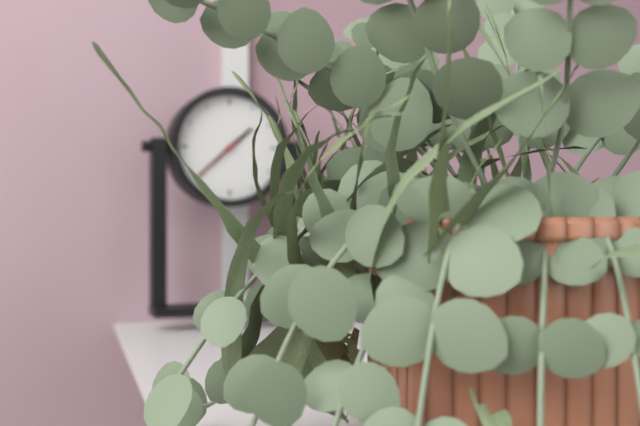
1:38:38
